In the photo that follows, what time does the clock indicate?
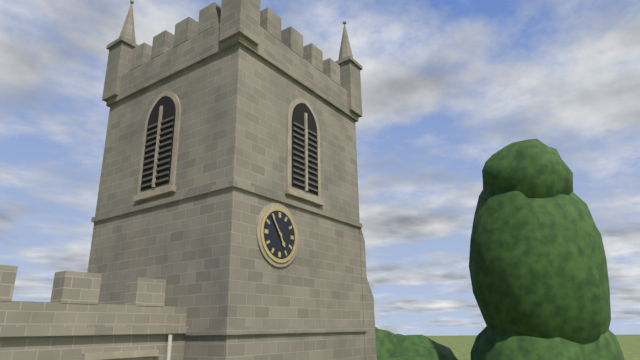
4:54
